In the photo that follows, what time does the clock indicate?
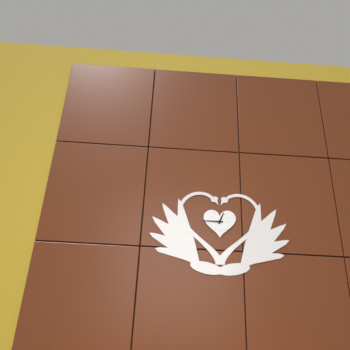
12:45
